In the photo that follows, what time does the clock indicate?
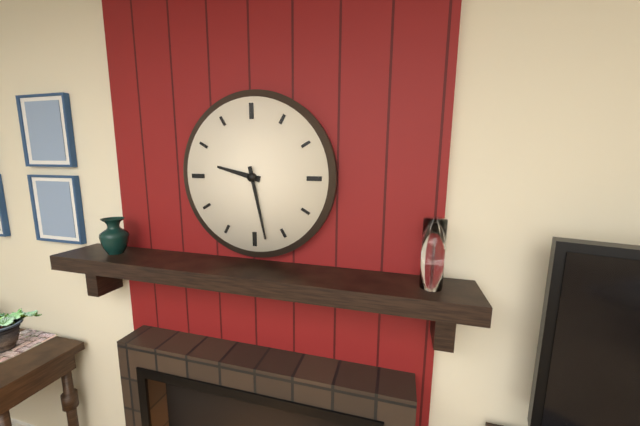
9:28
